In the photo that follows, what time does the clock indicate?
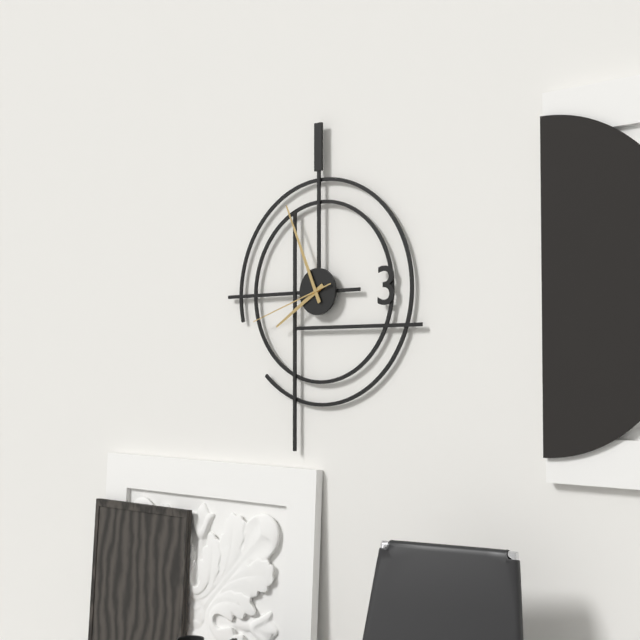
7:56:42
